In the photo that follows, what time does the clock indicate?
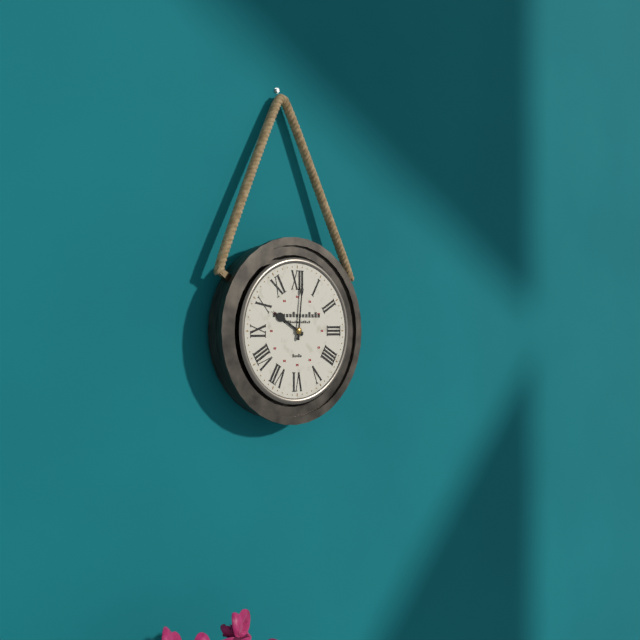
10:01
